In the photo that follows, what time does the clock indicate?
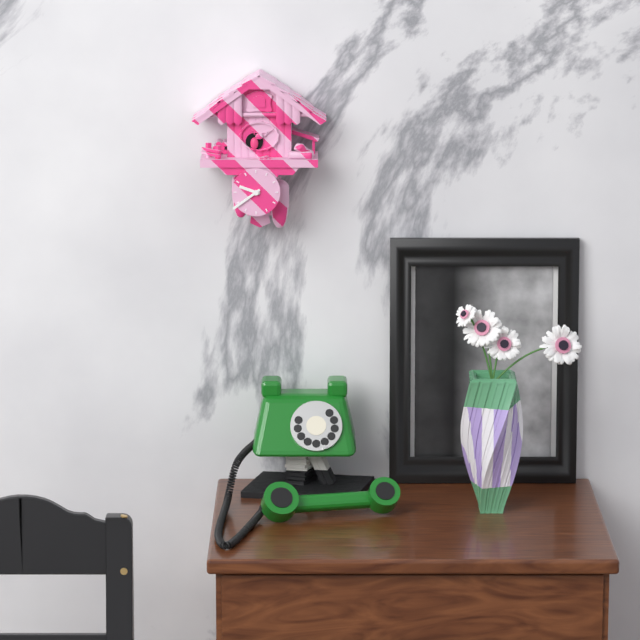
9:39
